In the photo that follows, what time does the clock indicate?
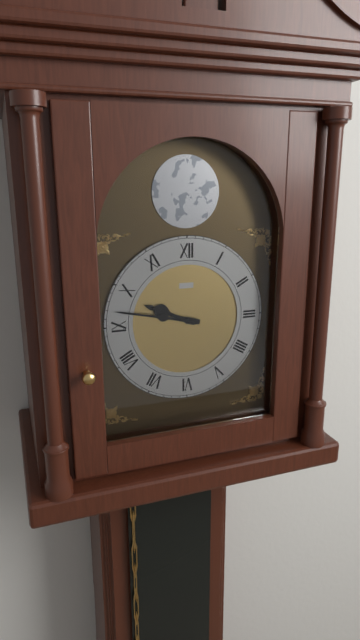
9:47
